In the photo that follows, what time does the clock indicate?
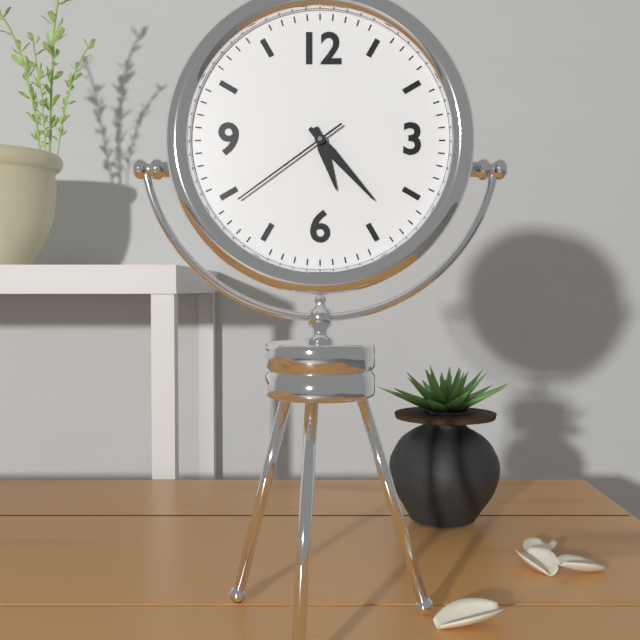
5:23:39
